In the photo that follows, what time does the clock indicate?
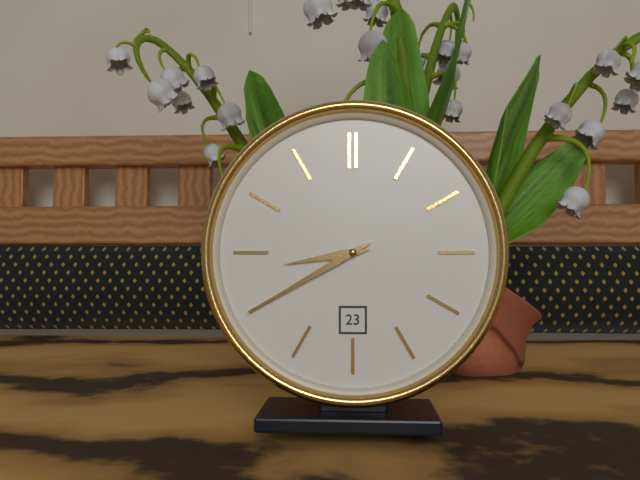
8:40
